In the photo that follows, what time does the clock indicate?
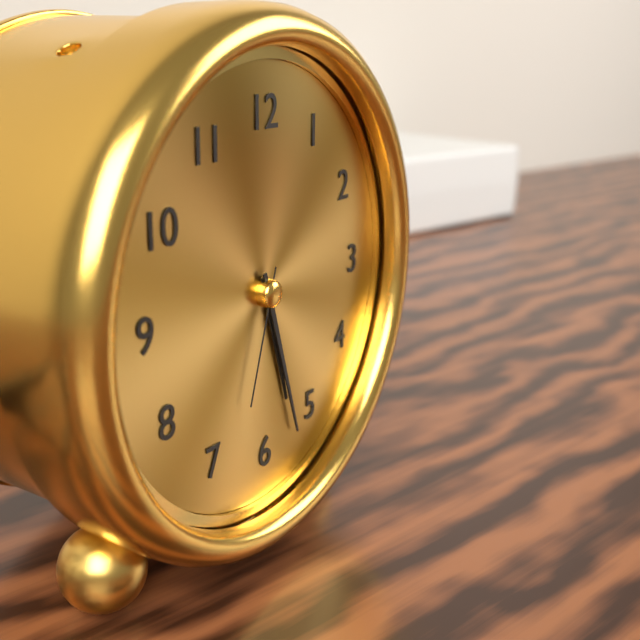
5:27:33
